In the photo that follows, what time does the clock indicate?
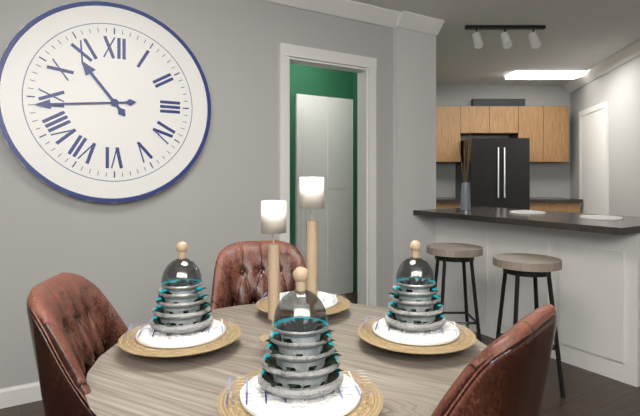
10:44
